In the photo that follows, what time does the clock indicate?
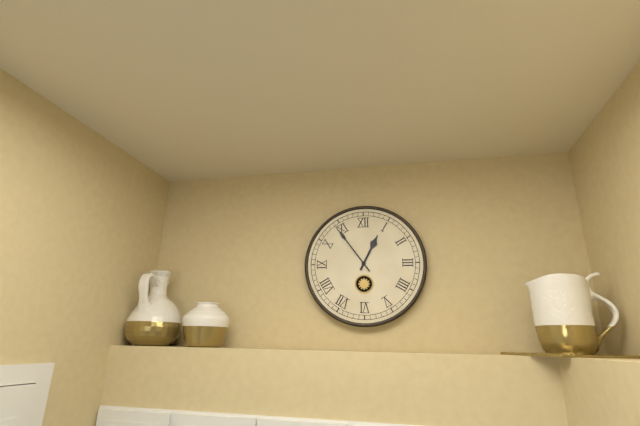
12:54
